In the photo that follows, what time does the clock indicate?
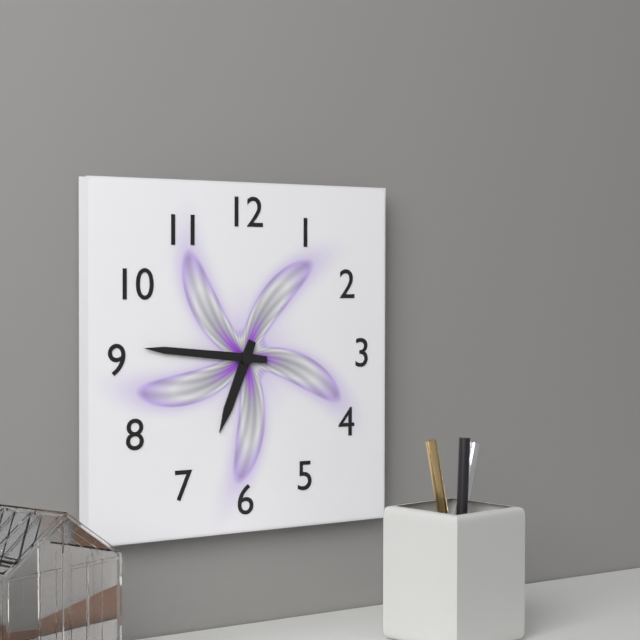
6:46
